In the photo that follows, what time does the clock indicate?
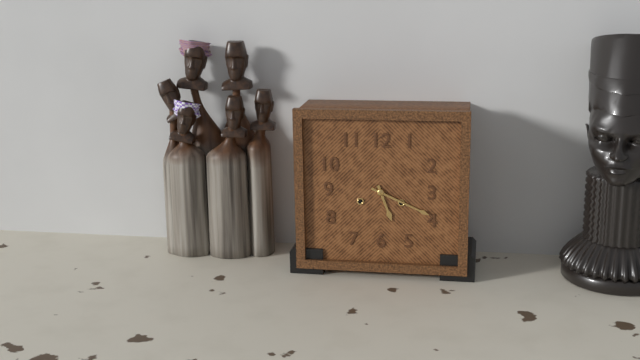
5:19
